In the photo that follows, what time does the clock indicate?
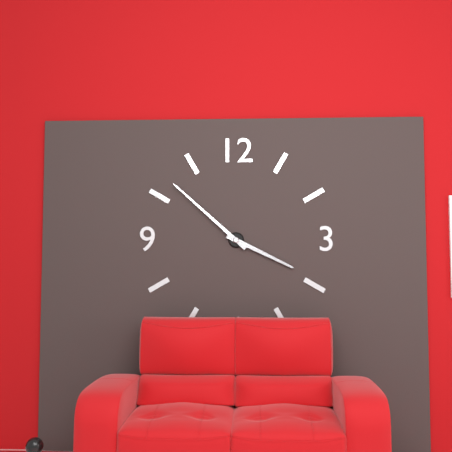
3:52
